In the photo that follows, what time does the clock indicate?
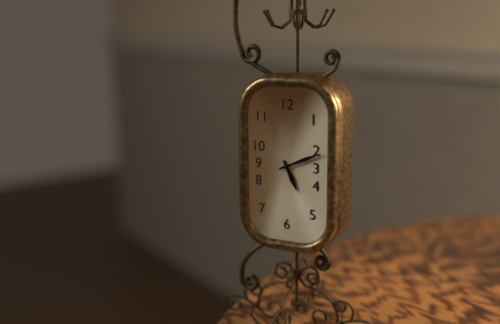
5:11
